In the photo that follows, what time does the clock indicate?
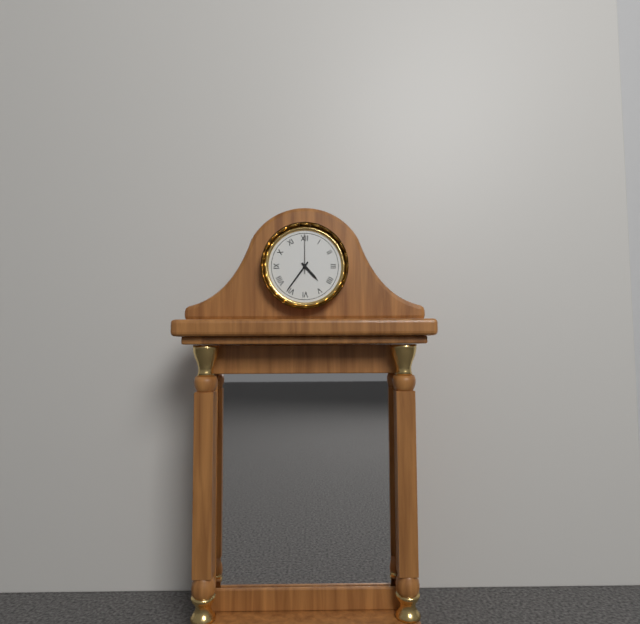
4:36
